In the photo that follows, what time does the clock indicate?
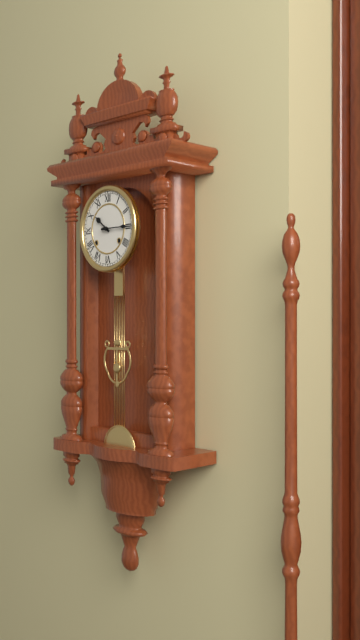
10:15
